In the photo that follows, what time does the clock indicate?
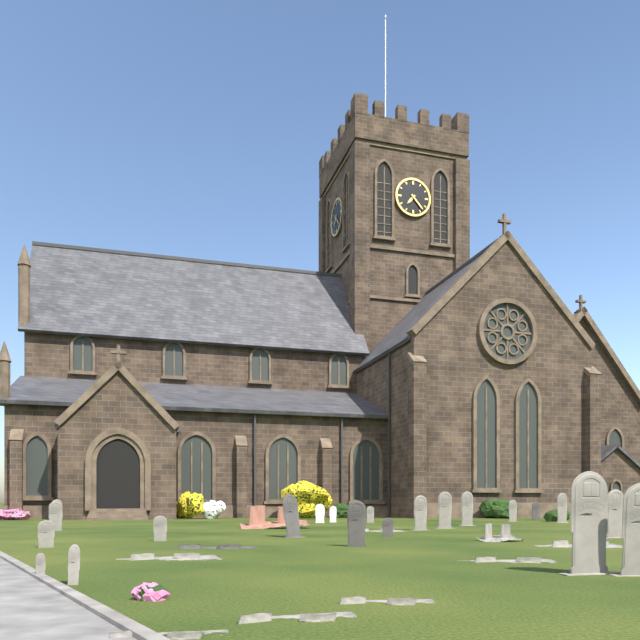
7:23
